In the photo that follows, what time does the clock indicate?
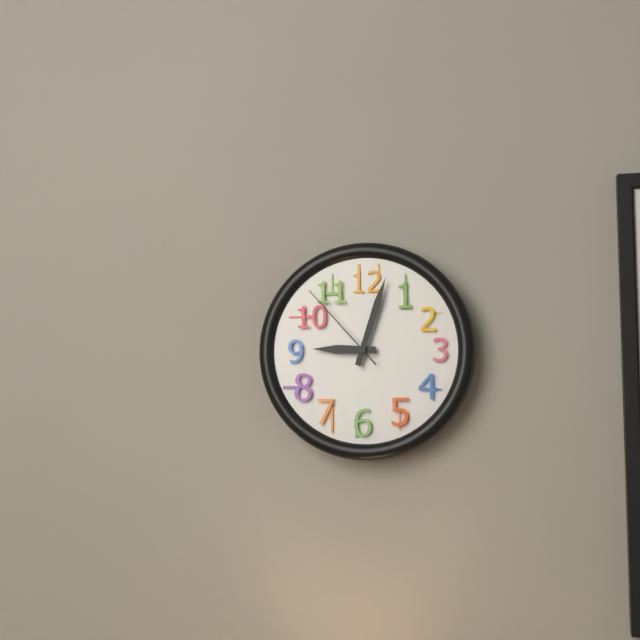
9:03:53
